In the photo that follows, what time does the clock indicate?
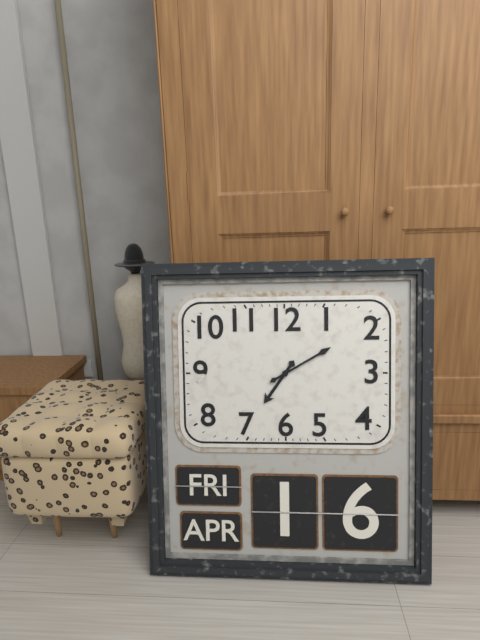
7:10
